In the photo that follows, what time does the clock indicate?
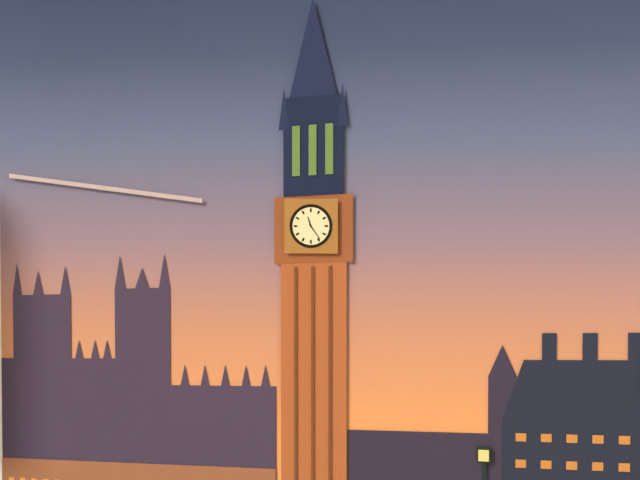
11:24
